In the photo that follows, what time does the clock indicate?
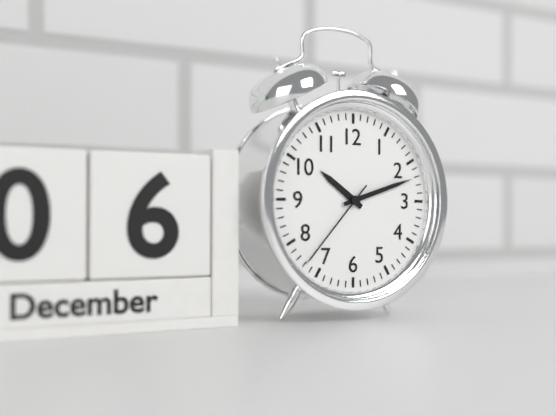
10:12:37
